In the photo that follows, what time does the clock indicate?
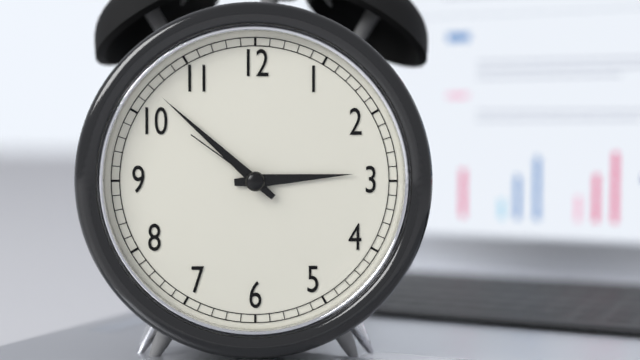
2:52:51
